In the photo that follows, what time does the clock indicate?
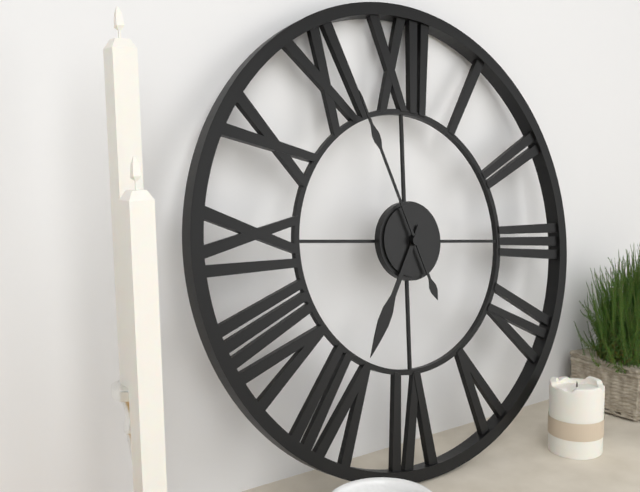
6:56
